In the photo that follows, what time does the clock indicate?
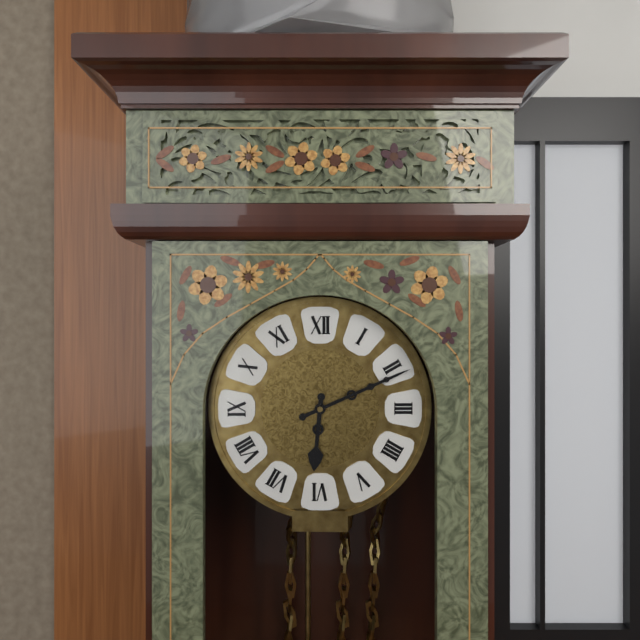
6:11
